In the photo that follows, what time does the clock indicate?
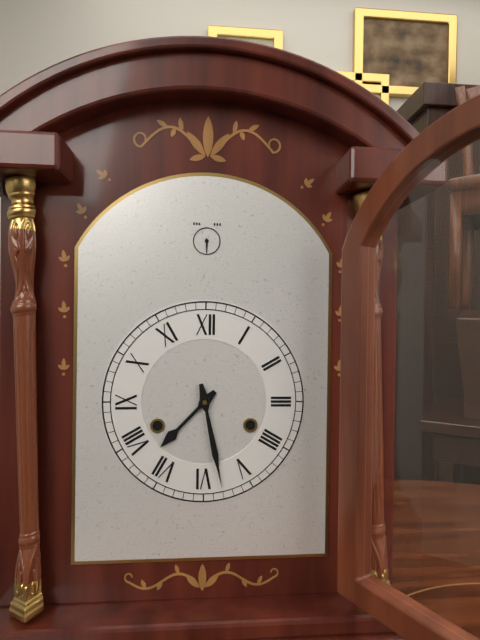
7:28
